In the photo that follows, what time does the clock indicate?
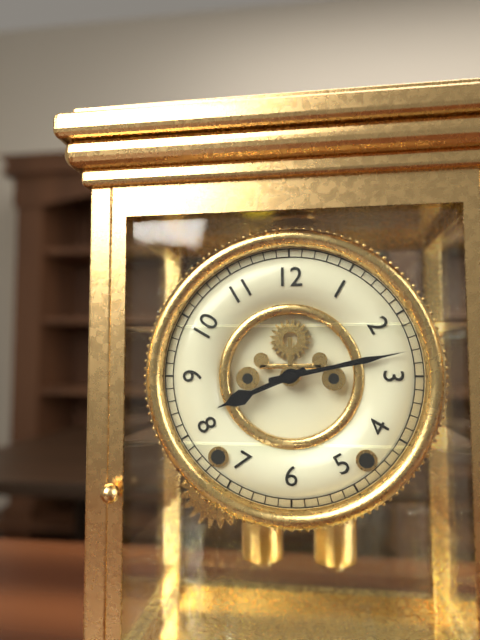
8:13
